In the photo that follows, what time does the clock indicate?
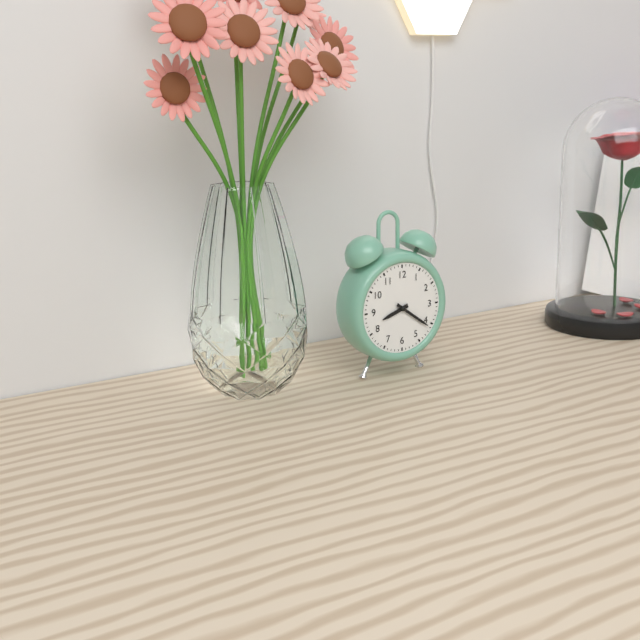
8:21
